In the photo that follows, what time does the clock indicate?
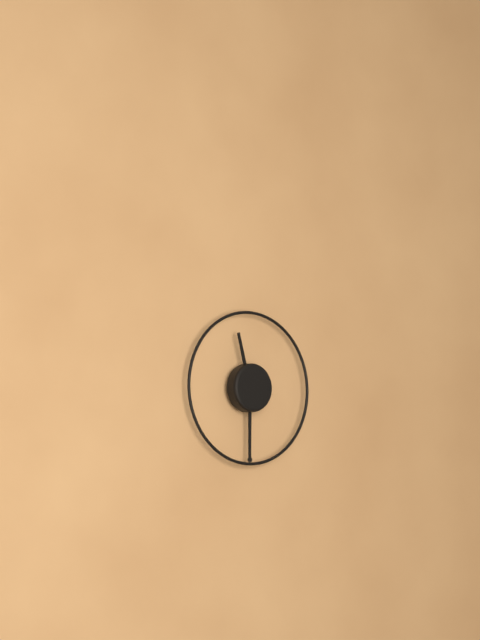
11:30
